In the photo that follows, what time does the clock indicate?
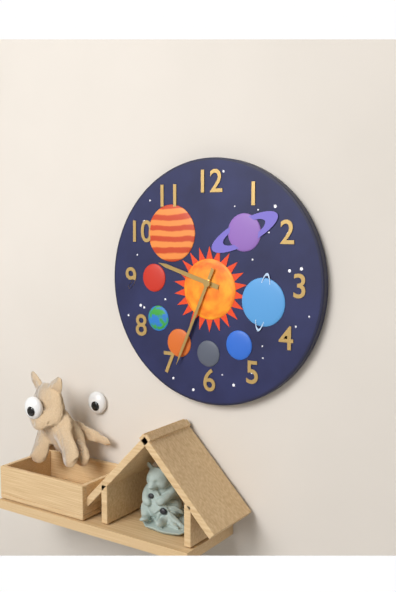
9:34
